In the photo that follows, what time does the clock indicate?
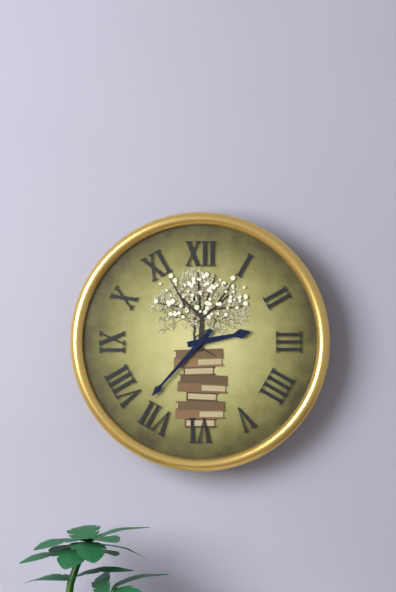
2:37
